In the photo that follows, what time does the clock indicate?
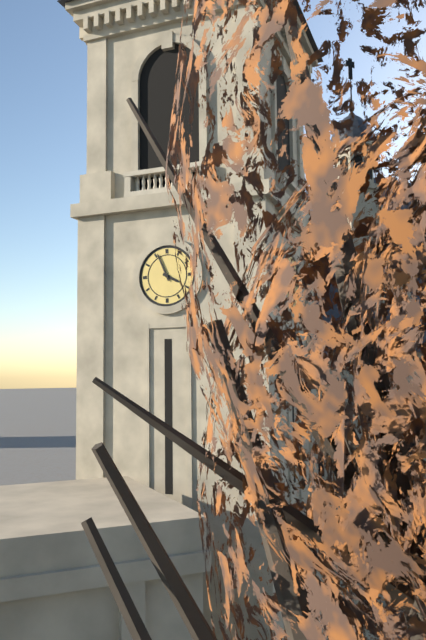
3:56
